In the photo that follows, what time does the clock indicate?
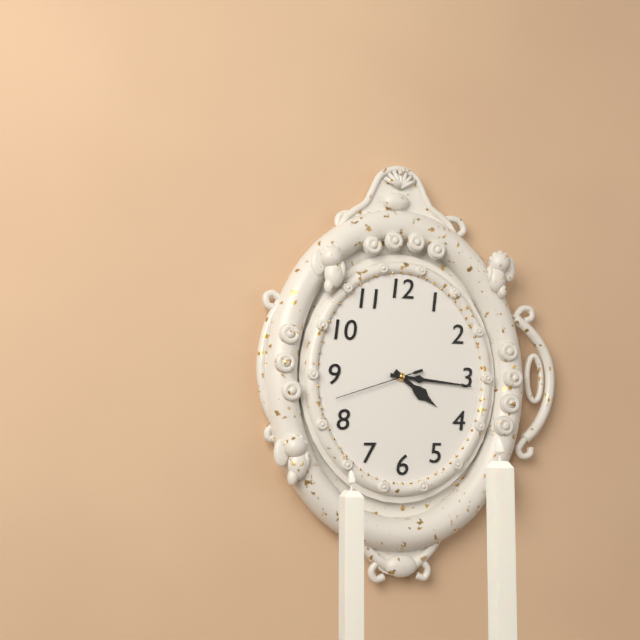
4:16:42
